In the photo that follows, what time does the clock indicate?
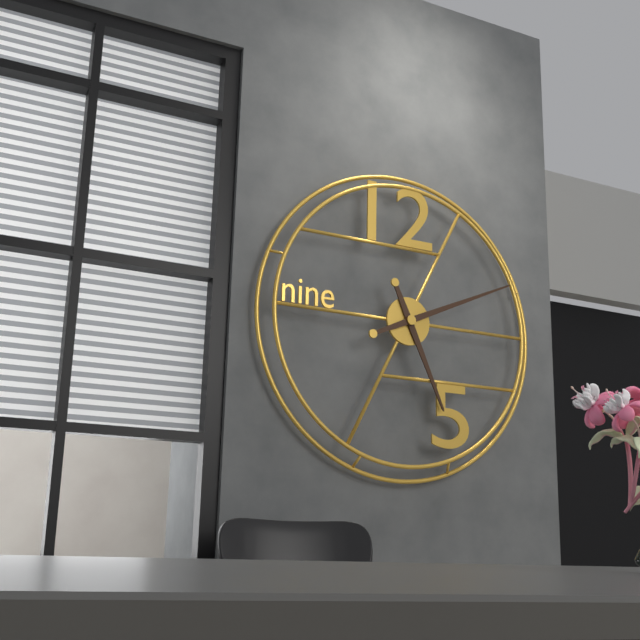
5:11
